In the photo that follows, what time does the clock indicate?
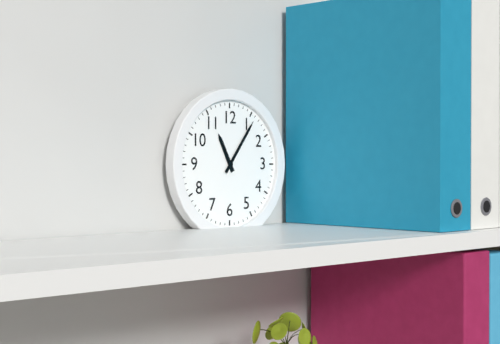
11:06
